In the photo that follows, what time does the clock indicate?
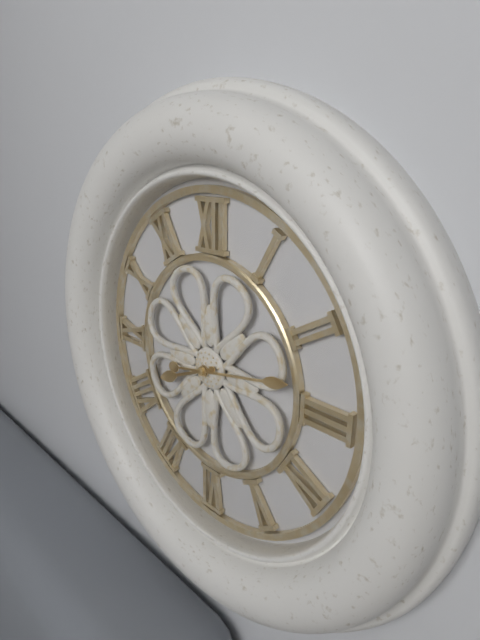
8:13
